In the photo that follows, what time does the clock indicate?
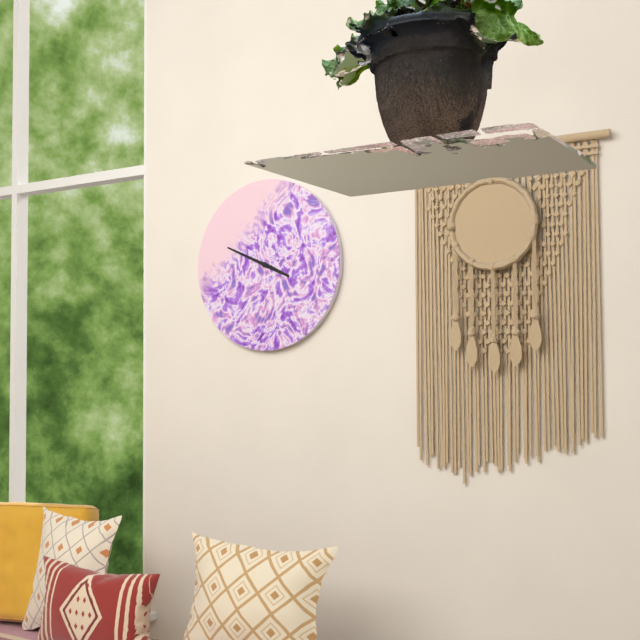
3:49
